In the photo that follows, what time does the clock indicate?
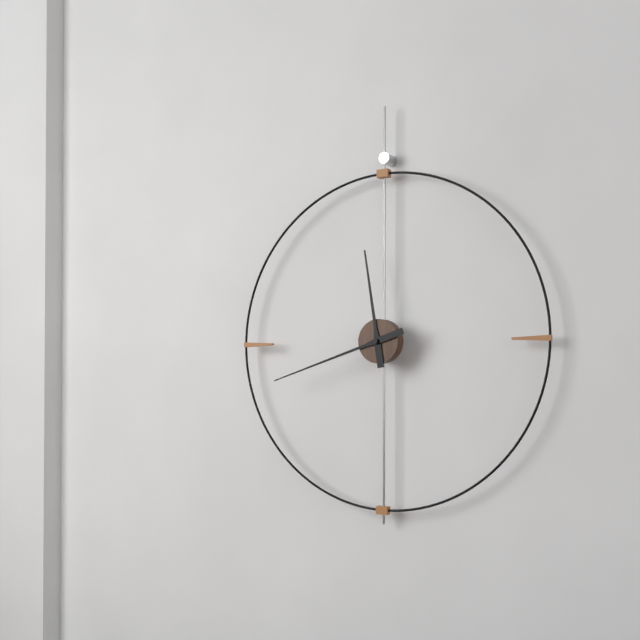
11:42
